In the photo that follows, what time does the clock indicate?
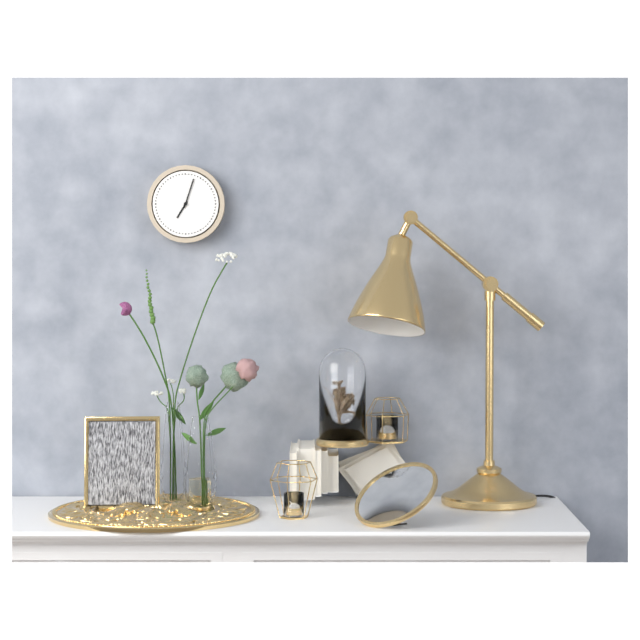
7:03
